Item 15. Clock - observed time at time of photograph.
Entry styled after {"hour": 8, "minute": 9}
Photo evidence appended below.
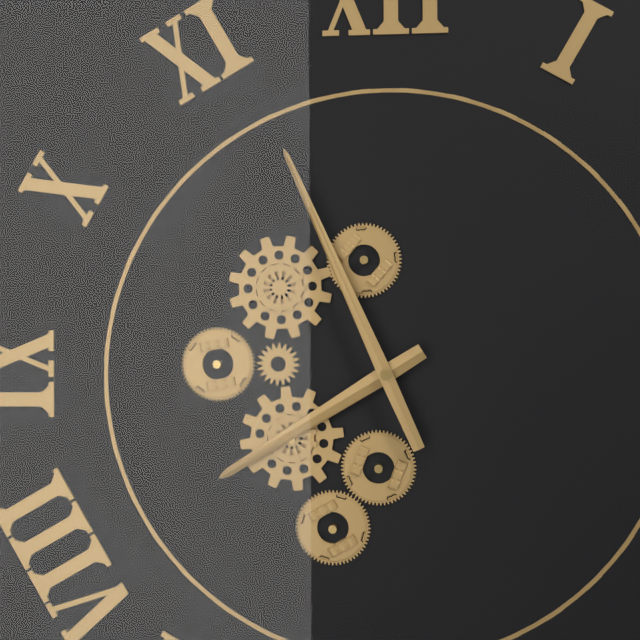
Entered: {"hour": 7, "minute": 56}
